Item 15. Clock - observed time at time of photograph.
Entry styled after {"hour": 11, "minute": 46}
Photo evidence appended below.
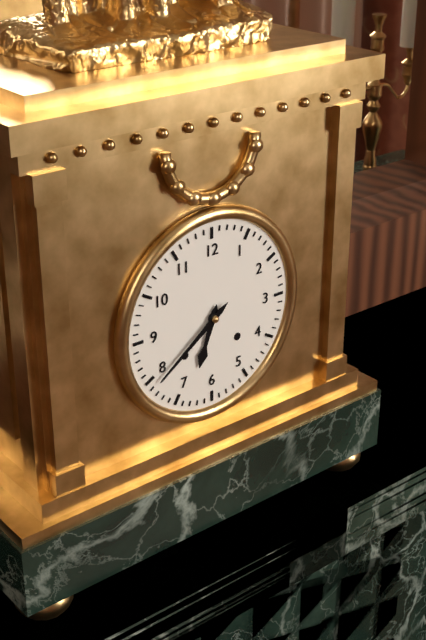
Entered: {"hour": 6, "minute": 39}
